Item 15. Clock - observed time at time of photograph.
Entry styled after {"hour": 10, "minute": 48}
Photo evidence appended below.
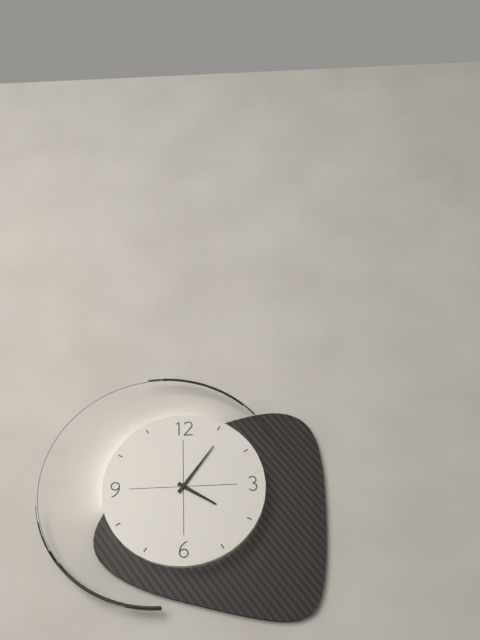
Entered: {"hour": 4, "minute": 6}
